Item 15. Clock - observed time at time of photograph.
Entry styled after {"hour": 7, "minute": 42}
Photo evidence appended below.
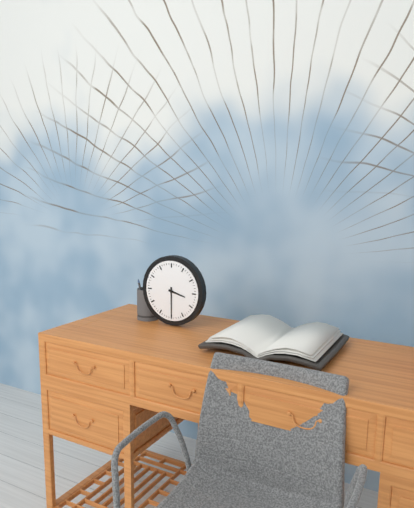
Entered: {"hour": 3, "minute": 30}
